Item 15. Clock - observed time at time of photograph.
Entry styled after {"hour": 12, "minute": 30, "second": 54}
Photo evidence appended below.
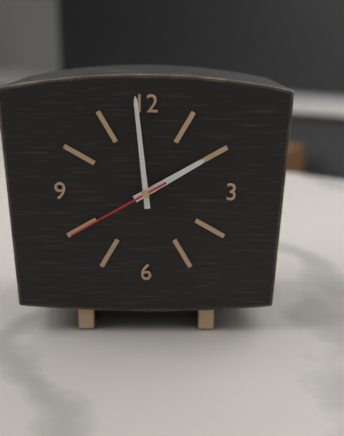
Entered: {"hour": 1, "minute": 59, "second": 40}
